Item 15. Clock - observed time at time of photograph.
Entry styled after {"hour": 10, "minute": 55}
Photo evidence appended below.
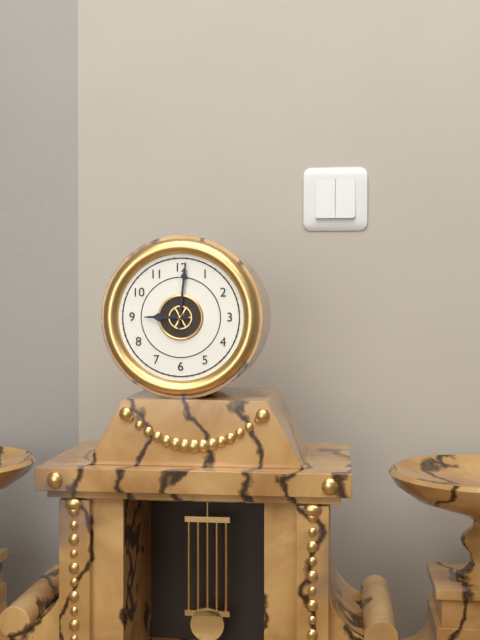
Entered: {"hour": 9, "minute": 1}
